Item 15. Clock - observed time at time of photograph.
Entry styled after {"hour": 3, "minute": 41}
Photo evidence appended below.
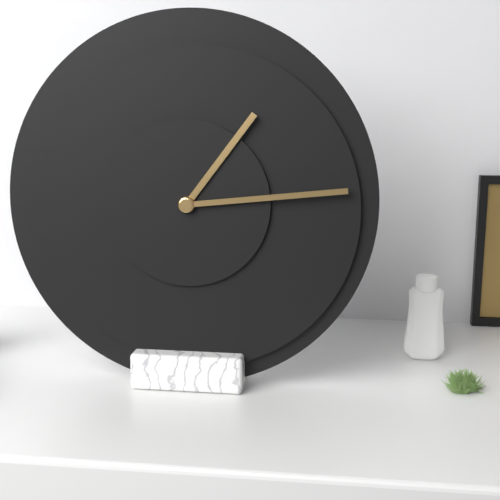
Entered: {"hour": 1, "minute": 14}
